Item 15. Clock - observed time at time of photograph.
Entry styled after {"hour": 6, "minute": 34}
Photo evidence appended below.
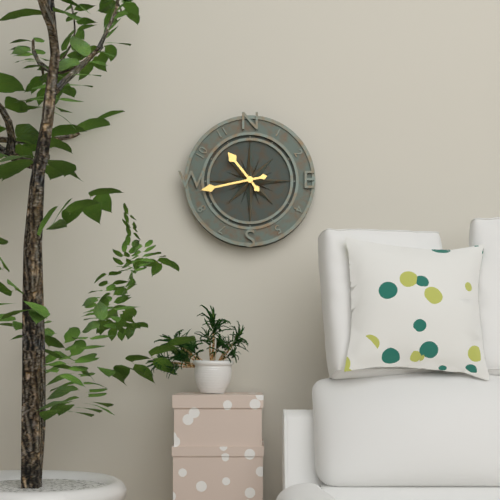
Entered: {"hour": 10, "minute": 43}
